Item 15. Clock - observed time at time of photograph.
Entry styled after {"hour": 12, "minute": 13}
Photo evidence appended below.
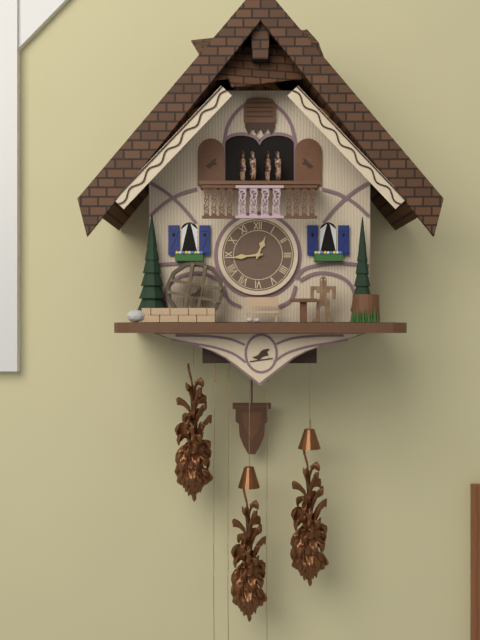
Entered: {"hour": 12, "minute": 44}
